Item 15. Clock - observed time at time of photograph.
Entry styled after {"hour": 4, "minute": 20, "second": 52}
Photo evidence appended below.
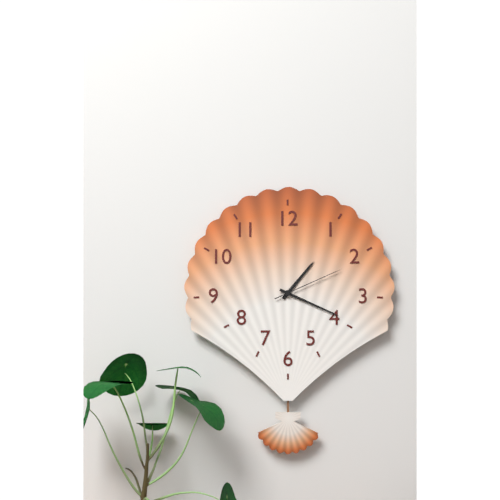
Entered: {"hour": 1, "minute": 19, "second": 11}
